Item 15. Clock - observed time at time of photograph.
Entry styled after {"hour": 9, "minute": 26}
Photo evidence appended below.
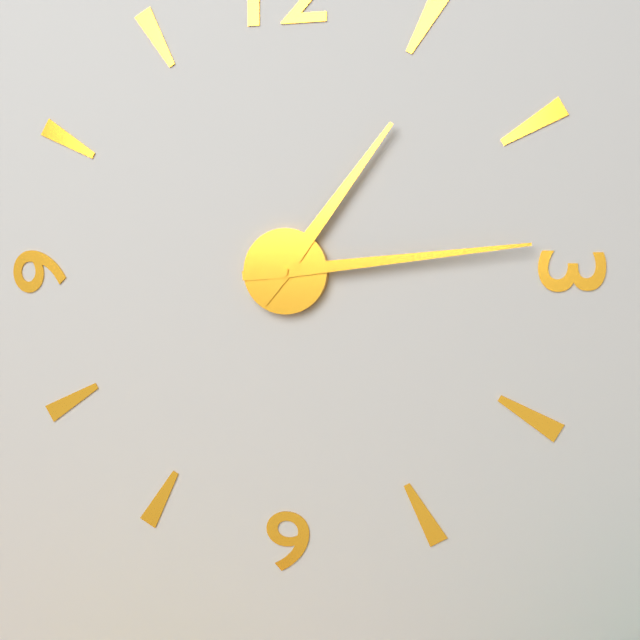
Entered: {"hour": 1, "minute": 14}
